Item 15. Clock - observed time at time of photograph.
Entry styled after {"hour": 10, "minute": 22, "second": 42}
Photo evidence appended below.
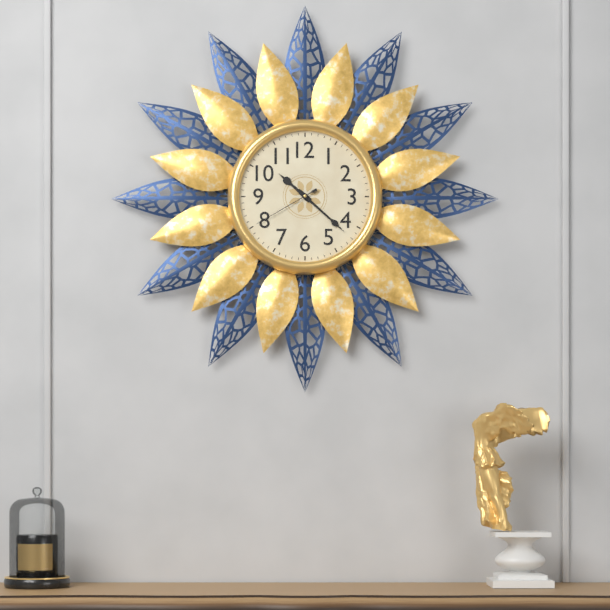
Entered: {"hour": 10, "minute": 22, "second": 40}
